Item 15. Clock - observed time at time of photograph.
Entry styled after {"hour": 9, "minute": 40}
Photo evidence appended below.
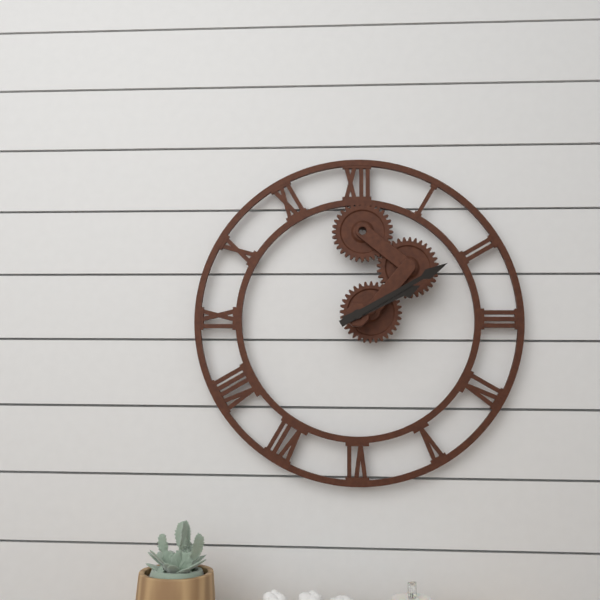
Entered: {"hour": 2, "minute": 10}
